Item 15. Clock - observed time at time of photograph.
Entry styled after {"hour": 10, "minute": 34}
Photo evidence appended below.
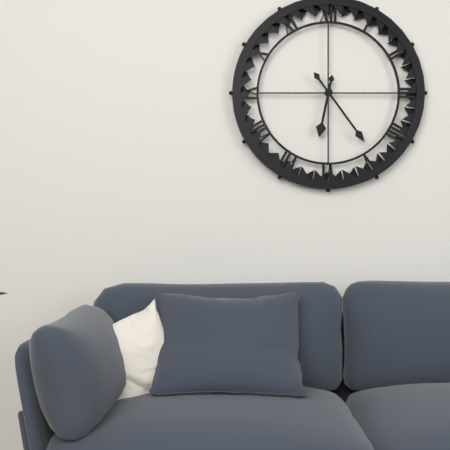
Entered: {"hour": 6, "minute": 24}
